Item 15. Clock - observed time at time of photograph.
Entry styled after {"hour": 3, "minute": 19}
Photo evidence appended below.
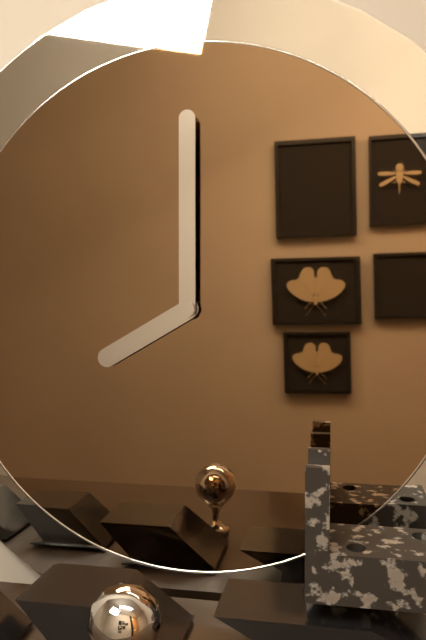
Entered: {"hour": 8, "minute": 0}
